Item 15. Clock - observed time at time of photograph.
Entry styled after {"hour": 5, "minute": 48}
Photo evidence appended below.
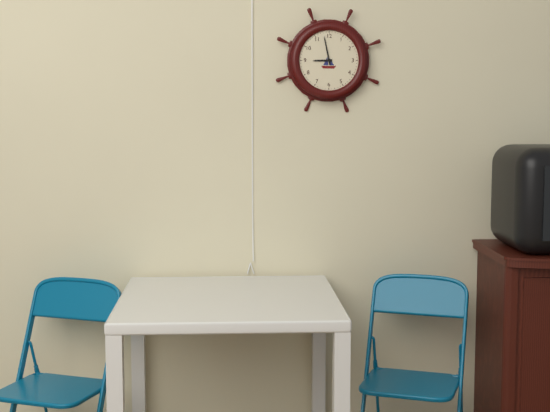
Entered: {"hour": 8, "minute": 58}
